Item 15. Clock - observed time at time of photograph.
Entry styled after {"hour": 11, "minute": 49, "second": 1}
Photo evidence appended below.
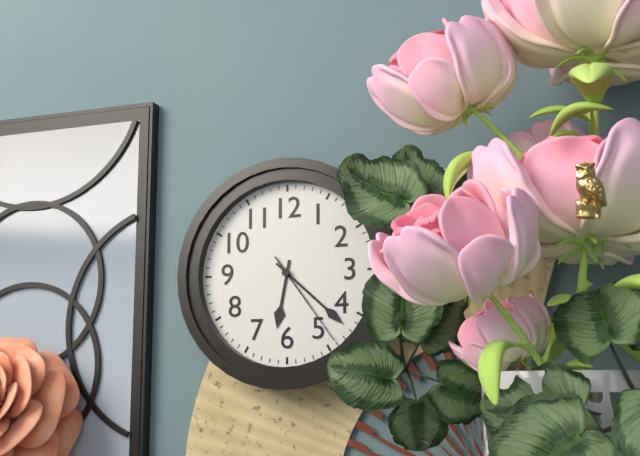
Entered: {"hour": 6, "minute": 22, "second": 24}
